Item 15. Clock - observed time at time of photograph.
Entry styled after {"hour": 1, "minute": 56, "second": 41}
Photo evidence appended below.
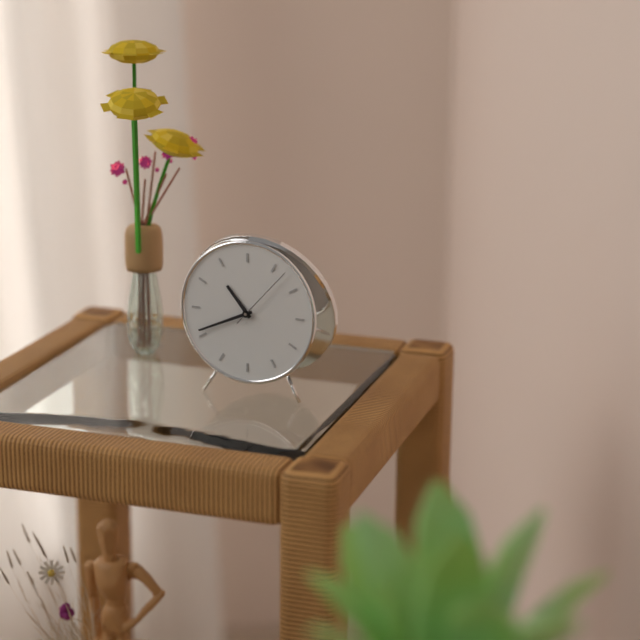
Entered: {"hour": 10, "minute": 41, "second": 7}
